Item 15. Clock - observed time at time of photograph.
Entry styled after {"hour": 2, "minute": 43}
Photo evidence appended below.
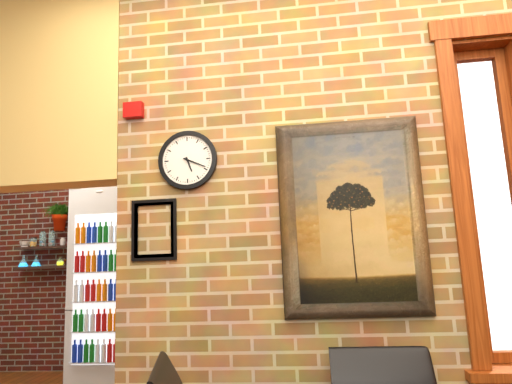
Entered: {"hour": 5, "minute": 19}
